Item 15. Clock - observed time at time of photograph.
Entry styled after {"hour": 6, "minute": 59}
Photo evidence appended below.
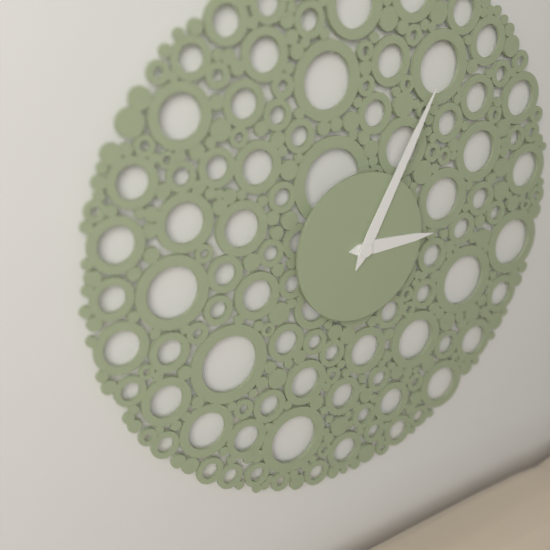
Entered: {"hour": 3, "minute": 5}
